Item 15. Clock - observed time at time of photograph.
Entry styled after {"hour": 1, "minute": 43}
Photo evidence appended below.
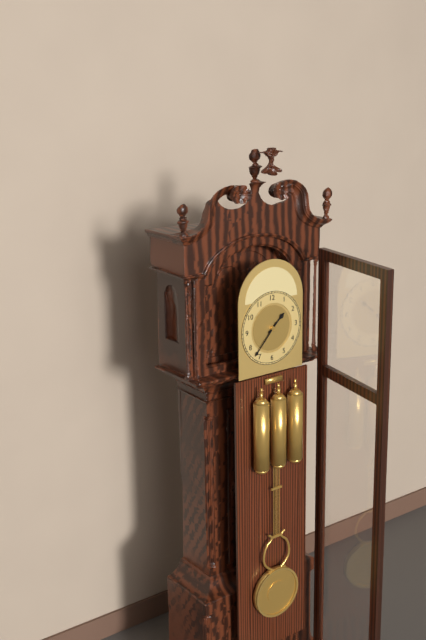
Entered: {"hour": 1, "minute": 37}
